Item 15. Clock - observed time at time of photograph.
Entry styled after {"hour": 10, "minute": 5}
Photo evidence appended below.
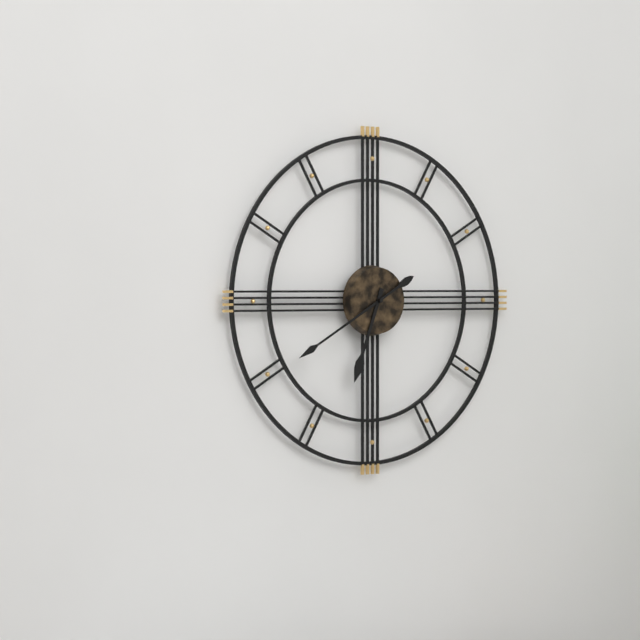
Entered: {"hour": 6, "minute": 40}
